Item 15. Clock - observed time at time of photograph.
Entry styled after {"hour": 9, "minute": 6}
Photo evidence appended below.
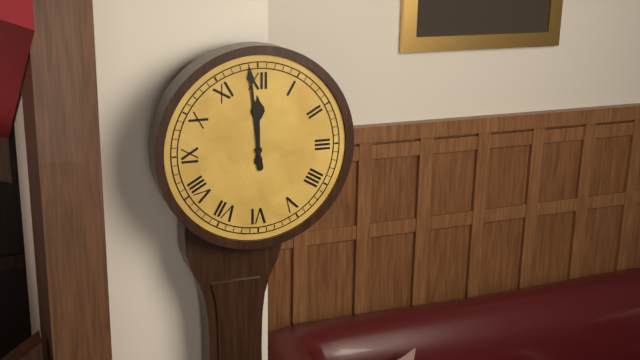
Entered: {"hour": 11, "minute": 59}
